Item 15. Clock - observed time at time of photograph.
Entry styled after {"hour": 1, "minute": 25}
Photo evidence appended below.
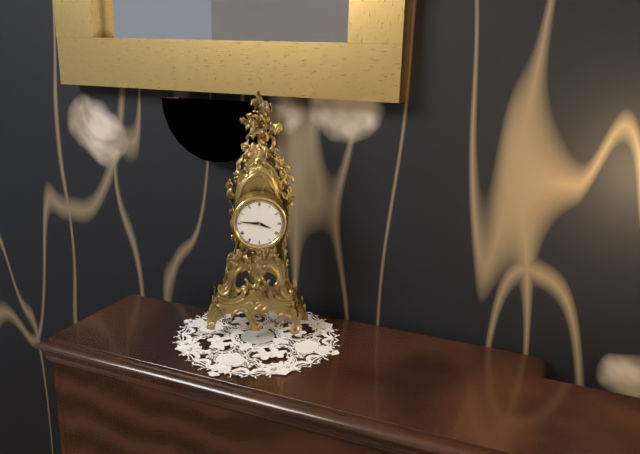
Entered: {"hour": 3, "minute": 46}
